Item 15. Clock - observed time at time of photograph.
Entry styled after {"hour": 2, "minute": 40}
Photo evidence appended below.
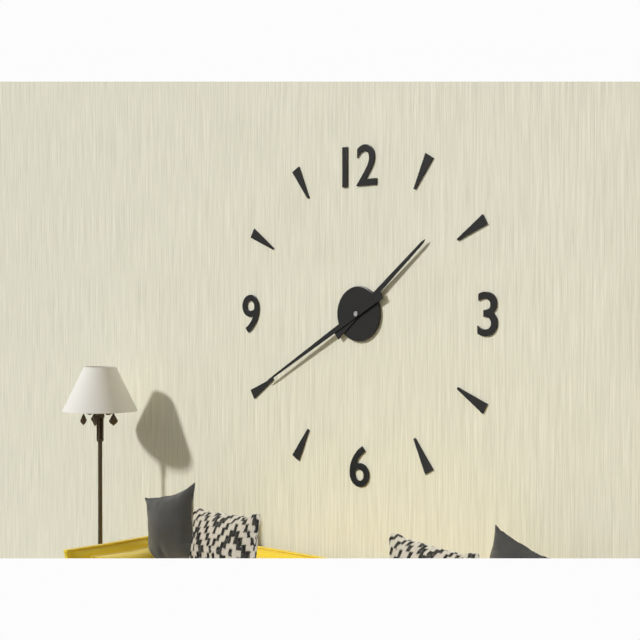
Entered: {"hour": 1, "minute": 40}
